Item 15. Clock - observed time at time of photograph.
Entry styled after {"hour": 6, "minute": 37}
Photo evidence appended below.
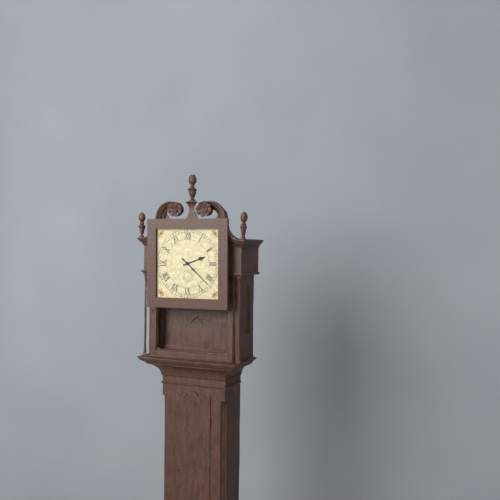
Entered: {"hour": 2, "minute": 22}
